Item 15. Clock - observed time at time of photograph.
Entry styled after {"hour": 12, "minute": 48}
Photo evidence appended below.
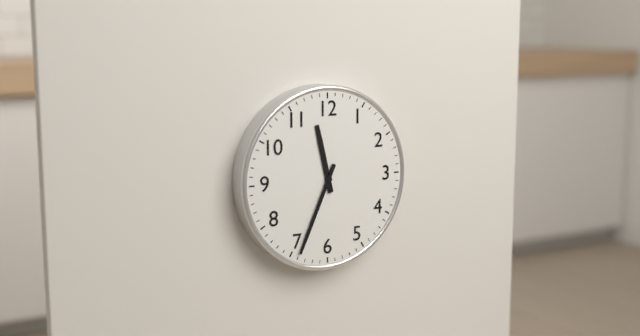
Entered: {"hour": 11, "minute": 34}
